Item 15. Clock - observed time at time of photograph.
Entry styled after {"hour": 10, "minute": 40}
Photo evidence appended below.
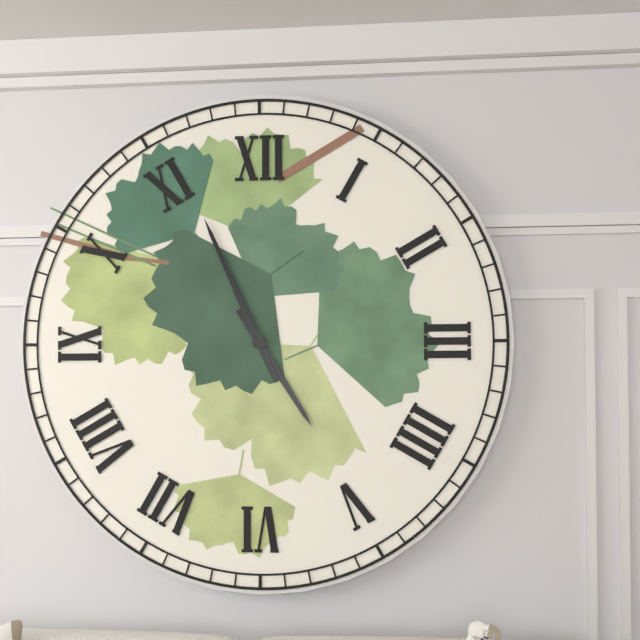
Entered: {"hour": 4, "minute": 56}
